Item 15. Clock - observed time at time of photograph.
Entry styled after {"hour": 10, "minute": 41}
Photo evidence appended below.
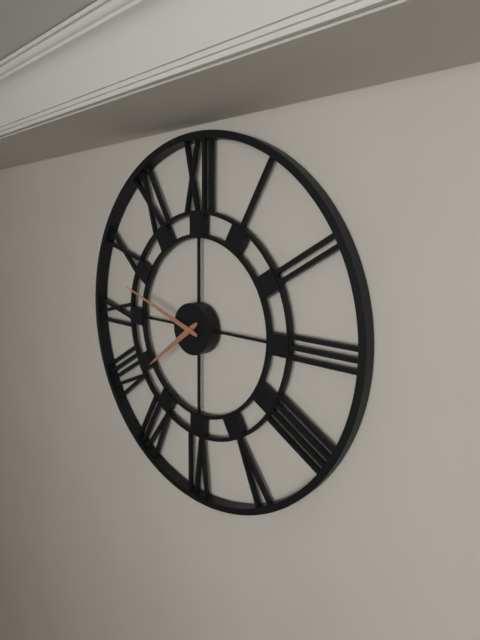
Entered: {"hour": 7, "minute": 48}
